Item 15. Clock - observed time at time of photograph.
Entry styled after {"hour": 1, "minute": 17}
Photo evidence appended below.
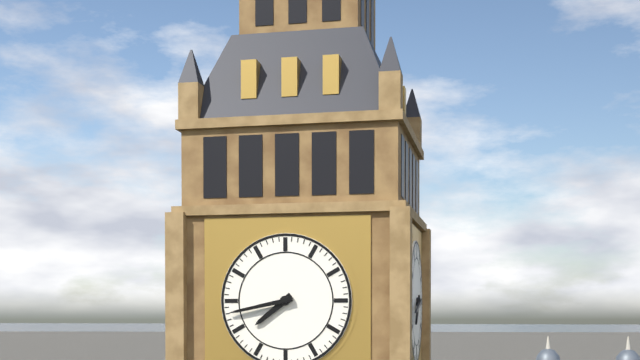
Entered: {"hour": 7, "minute": 43}
